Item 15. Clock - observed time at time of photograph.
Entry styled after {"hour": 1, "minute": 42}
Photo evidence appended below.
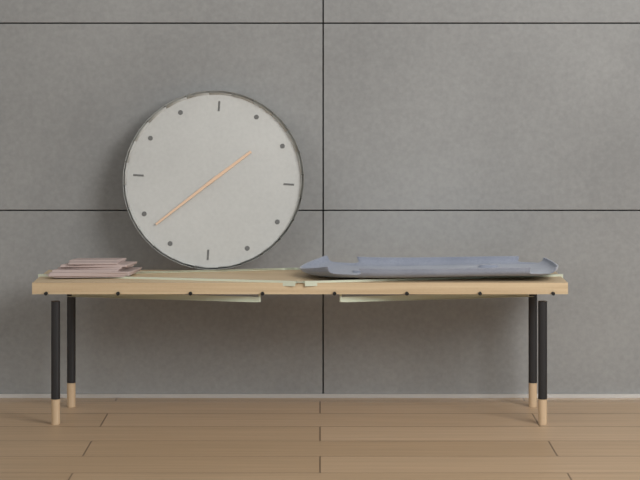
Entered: {"hour": 1, "minute": 38}
